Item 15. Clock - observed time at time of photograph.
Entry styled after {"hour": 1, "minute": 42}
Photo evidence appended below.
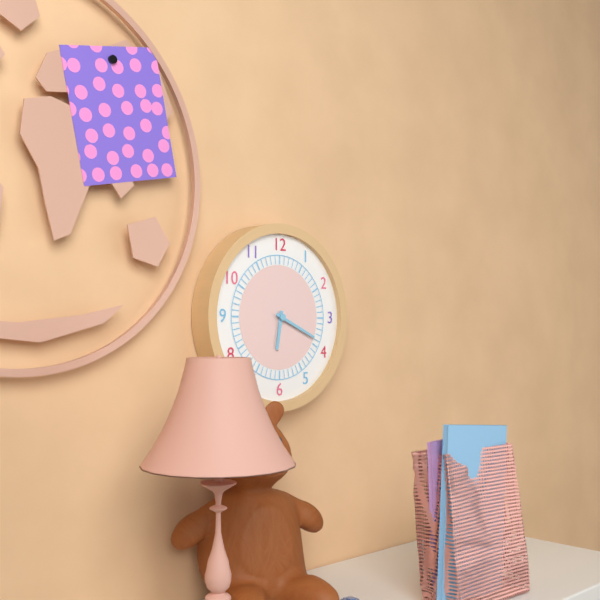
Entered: {"hour": 6, "minute": 19}
